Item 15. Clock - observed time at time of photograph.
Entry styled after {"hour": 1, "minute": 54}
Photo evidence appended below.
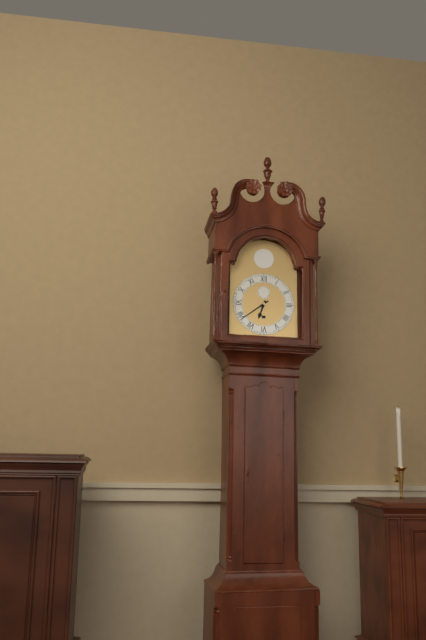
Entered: {"hour": 6, "minute": 39}
